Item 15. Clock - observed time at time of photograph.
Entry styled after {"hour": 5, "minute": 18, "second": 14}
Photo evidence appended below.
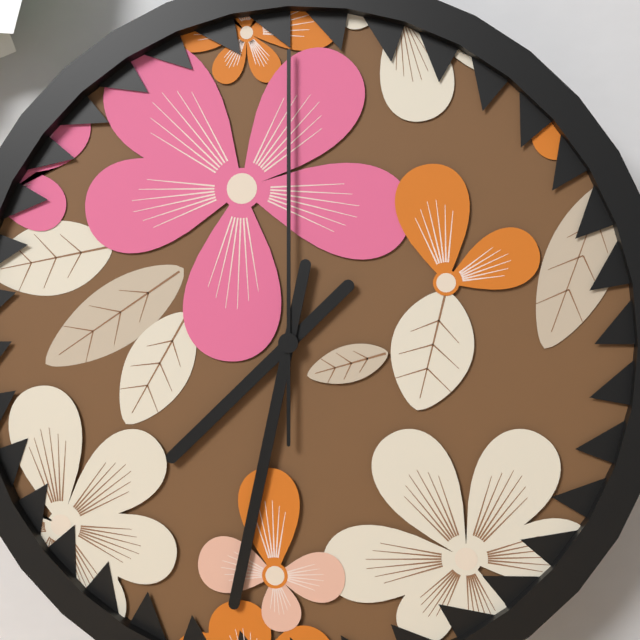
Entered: {"hour": 7, "minute": 32, "second": 0}
